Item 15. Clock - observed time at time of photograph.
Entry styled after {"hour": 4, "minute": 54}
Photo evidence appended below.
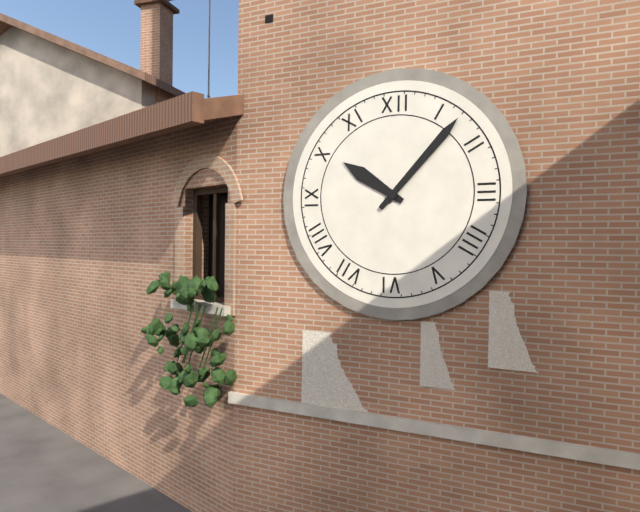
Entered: {"hour": 10, "minute": 7}
